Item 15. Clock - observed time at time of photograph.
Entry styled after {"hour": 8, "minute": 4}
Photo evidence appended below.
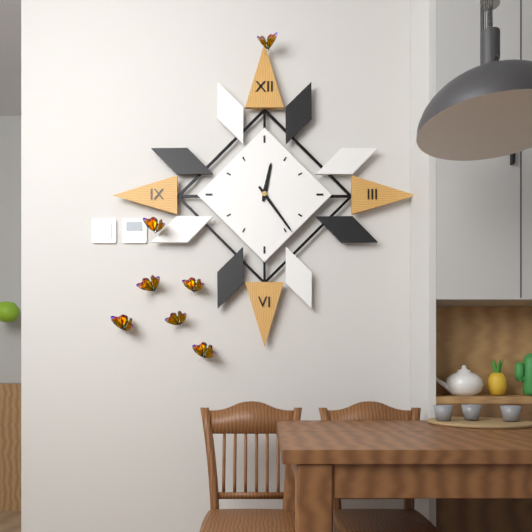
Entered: {"hour": 12, "minute": 24}
